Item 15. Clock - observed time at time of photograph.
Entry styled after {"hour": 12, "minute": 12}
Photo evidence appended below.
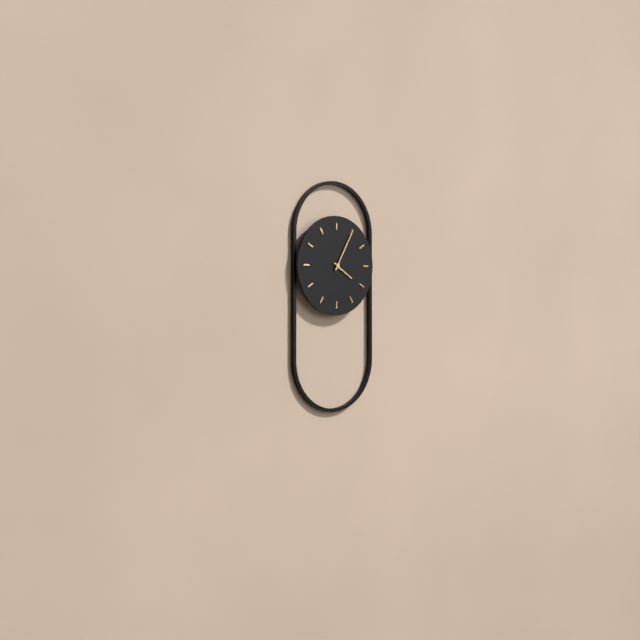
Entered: {"hour": 4, "minute": 5}
